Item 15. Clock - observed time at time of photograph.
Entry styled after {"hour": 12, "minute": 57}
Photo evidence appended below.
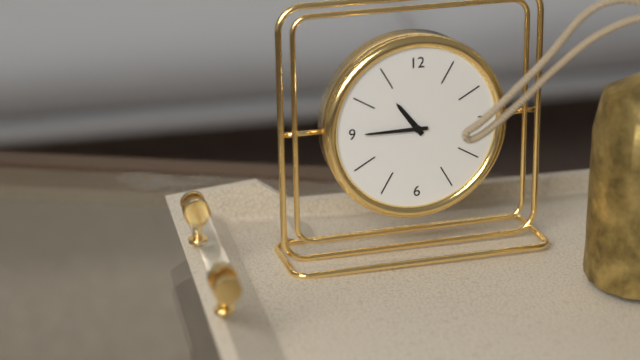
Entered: {"hour": 10, "minute": 45}
